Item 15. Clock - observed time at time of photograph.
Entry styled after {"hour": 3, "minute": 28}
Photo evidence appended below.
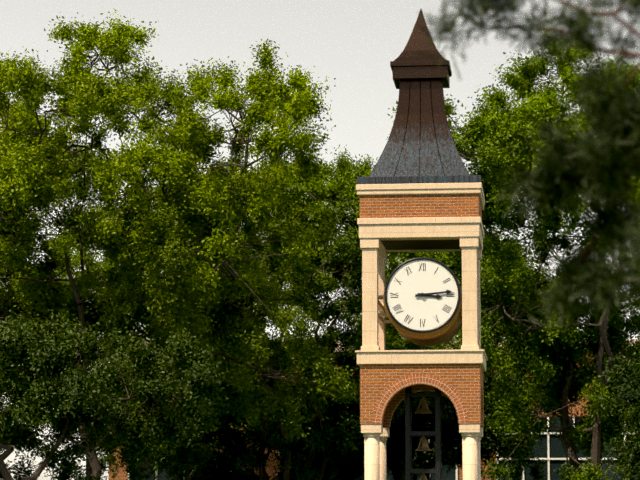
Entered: {"hour": 3, "minute": 14}
